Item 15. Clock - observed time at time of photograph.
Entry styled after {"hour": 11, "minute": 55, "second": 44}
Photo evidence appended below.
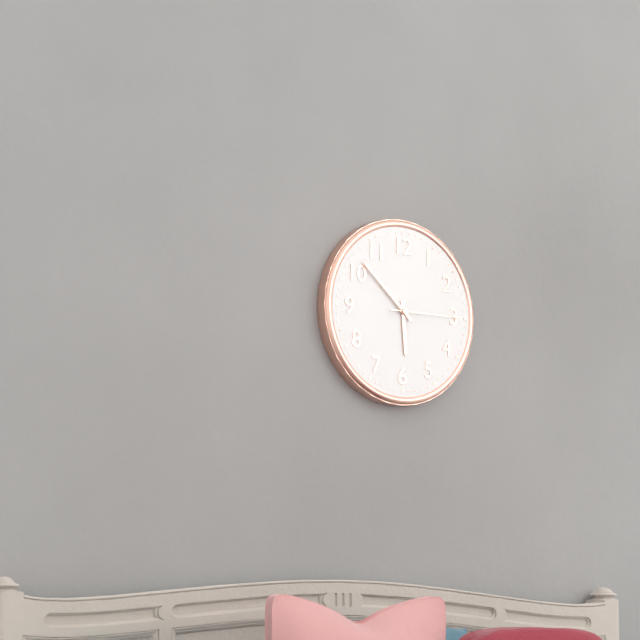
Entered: {"hour": 5, "minute": 52, "second": 15}
